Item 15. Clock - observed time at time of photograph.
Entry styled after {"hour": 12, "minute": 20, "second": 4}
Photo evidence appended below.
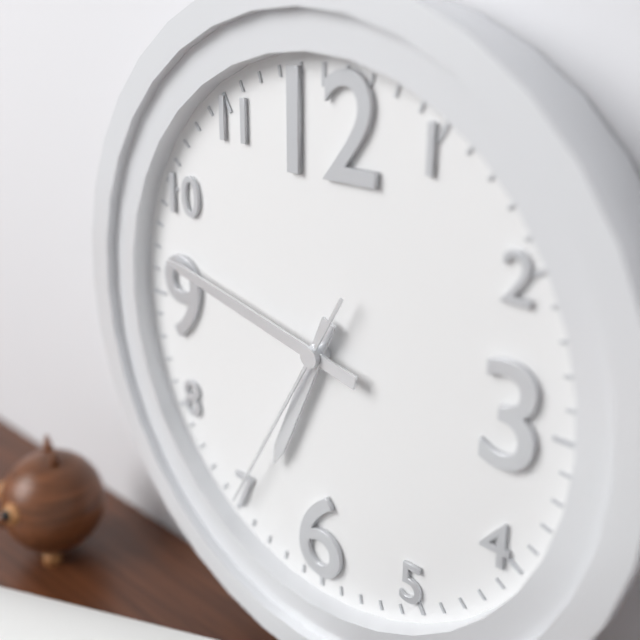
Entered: {"hour": 6, "minute": 47, "second": 35}
